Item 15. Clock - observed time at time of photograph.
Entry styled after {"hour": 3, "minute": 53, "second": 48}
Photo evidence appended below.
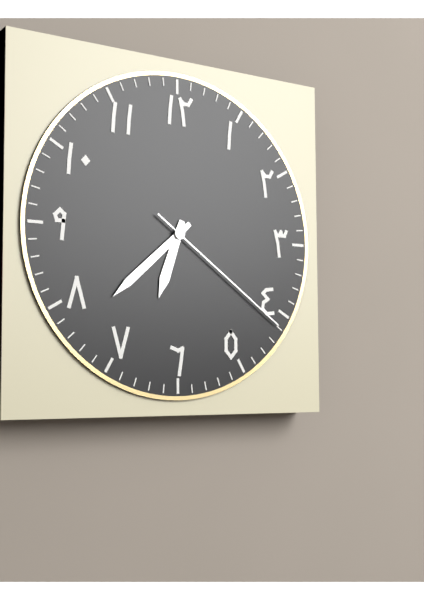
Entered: {"hour": 6, "minute": 38, "second": 21}
